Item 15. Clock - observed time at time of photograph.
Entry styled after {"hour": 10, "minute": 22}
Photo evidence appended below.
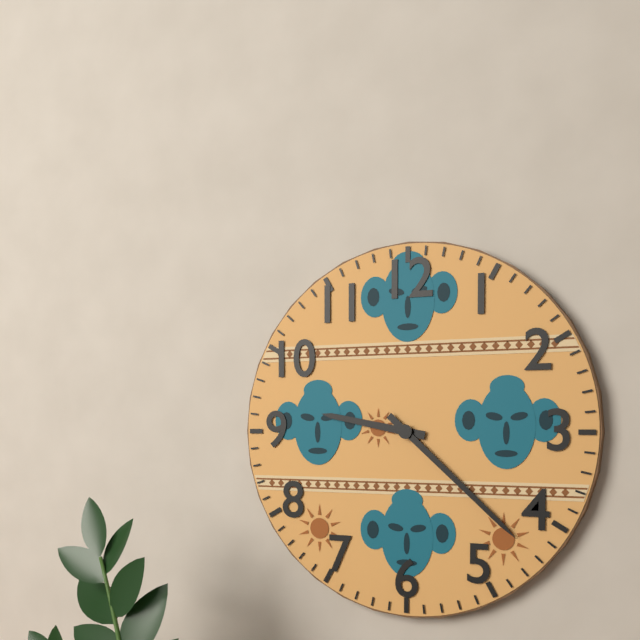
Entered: {"hour": 9, "minute": 22}
